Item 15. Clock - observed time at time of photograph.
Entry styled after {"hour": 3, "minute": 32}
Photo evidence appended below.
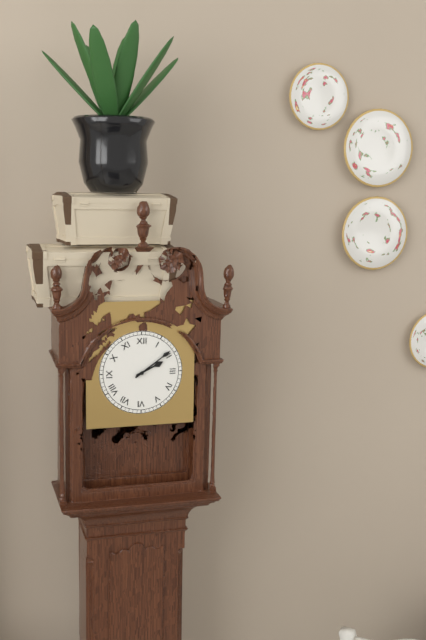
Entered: {"hour": 2, "minute": 9}
